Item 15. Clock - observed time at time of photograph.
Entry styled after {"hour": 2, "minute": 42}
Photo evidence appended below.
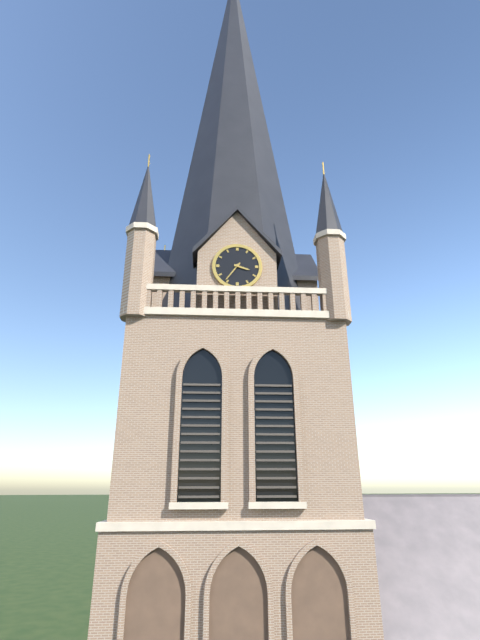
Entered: {"hour": 3, "minute": 36}
